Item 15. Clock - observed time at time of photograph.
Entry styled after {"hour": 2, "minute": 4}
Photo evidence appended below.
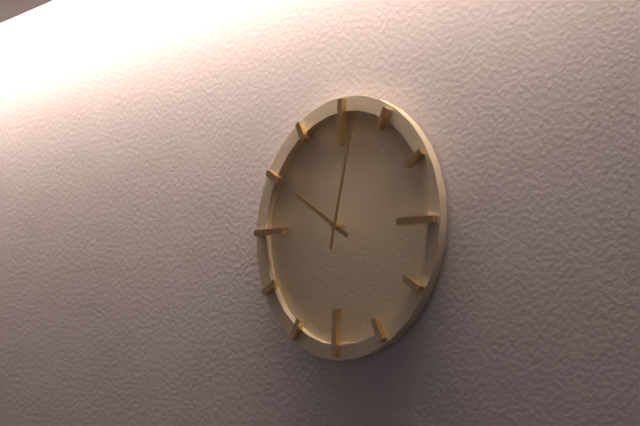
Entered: {"hour": 10, "minute": 2}
